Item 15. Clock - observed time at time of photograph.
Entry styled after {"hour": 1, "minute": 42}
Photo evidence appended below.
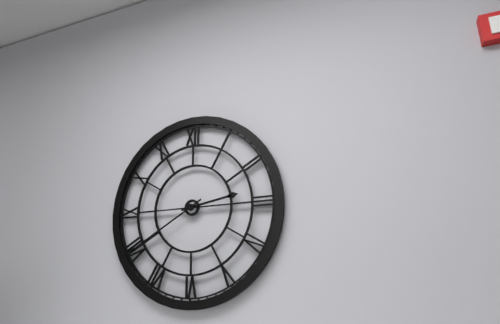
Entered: {"hour": 2, "minute": 40}
